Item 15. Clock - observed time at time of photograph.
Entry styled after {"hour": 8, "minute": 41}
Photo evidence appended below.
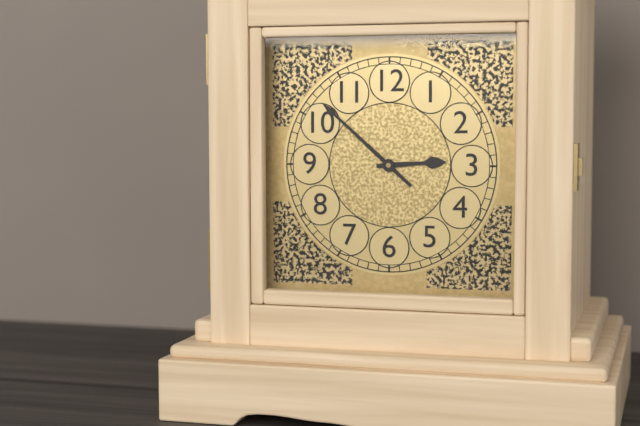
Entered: {"hour": 2, "minute": 52}
